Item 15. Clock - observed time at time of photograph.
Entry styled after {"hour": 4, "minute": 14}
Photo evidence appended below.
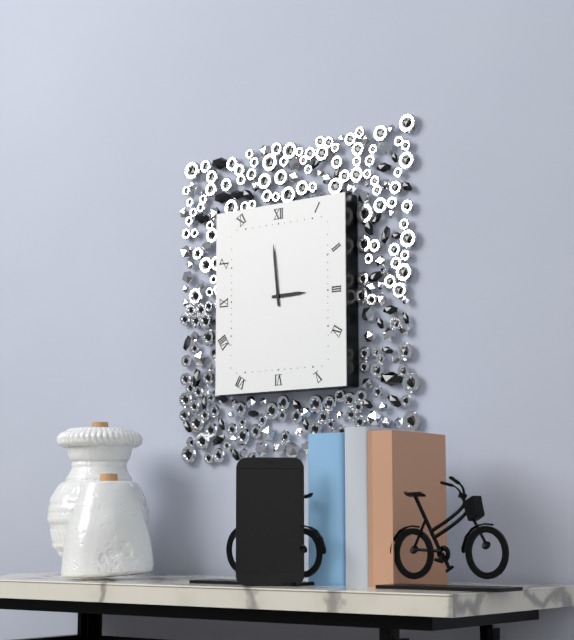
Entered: {"hour": 2, "minute": 59}
